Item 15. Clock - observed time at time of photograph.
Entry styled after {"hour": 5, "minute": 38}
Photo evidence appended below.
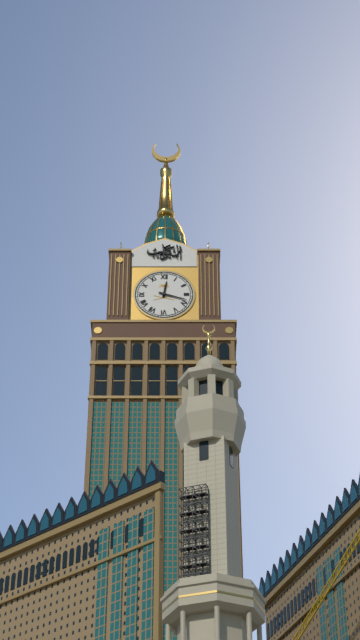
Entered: {"hour": 12, "minute": 18}
